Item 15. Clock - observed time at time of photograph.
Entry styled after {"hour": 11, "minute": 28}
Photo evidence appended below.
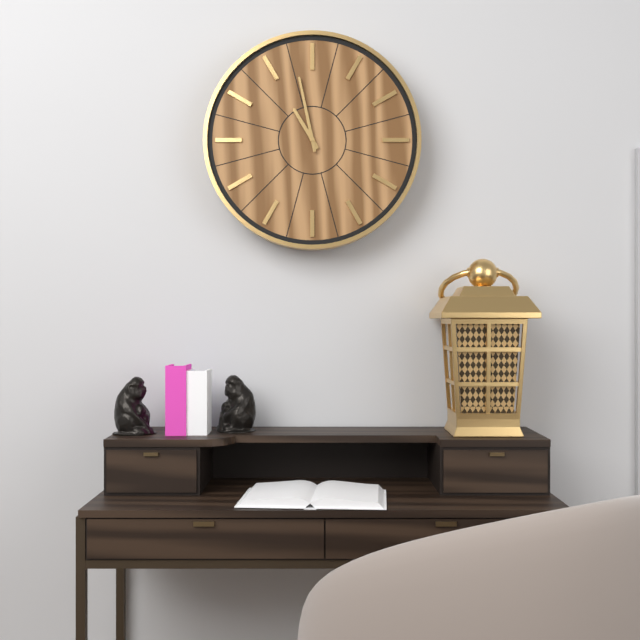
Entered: {"hour": 10, "minute": 58}
